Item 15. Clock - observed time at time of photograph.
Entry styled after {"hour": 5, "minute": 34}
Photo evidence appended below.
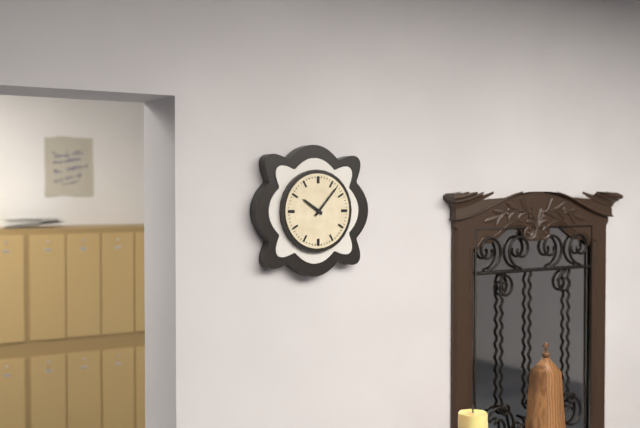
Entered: {"hour": 10, "minute": 7}
